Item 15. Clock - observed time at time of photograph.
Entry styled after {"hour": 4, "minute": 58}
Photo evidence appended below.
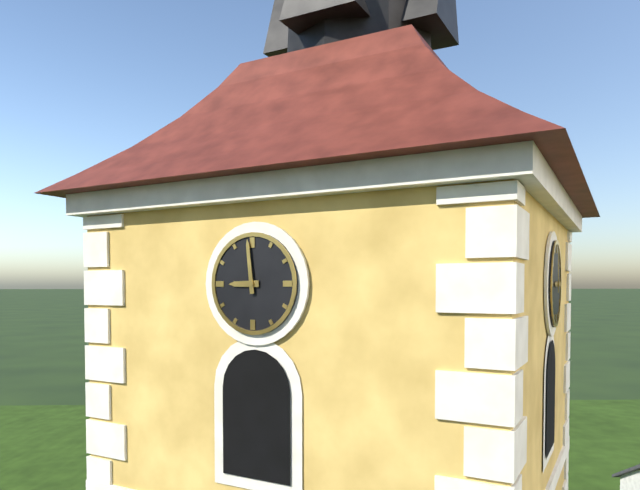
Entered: {"hour": 8, "minute": 59}
